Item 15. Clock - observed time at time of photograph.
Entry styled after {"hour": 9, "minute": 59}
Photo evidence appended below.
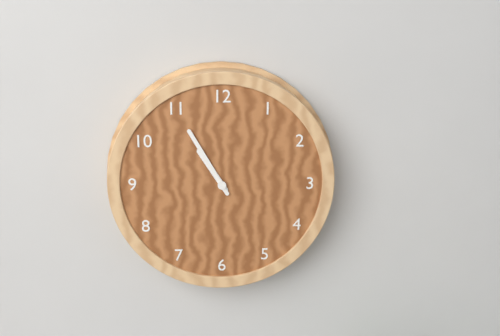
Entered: {"hour": 10, "minute": 55}
